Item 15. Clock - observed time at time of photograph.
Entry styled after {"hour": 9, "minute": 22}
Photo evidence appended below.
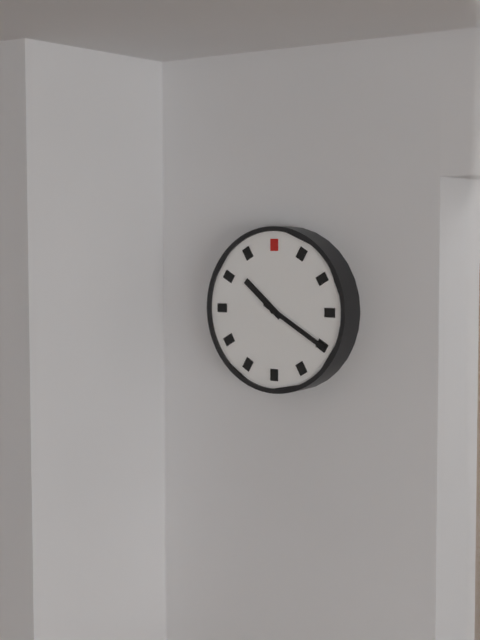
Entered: {"hour": 10, "minute": 20}
